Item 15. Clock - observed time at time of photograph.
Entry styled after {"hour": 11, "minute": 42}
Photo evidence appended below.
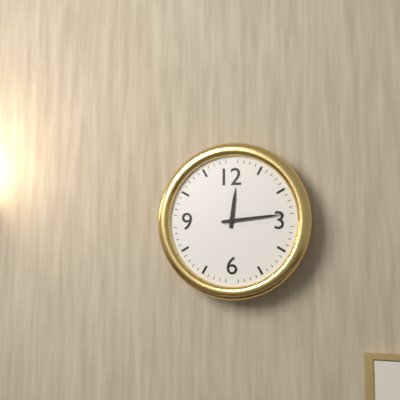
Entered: {"hour": 12, "minute": 14}
